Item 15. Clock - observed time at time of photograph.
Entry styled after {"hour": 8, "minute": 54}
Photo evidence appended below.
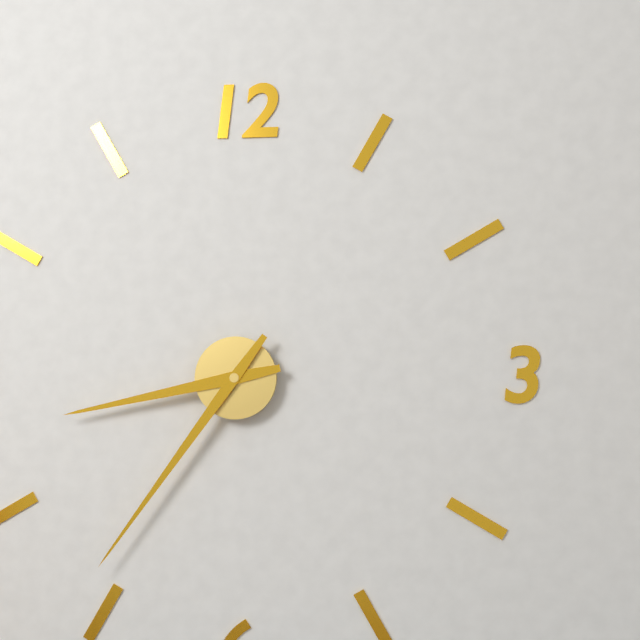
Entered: {"hour": 8, "minute": 36}
